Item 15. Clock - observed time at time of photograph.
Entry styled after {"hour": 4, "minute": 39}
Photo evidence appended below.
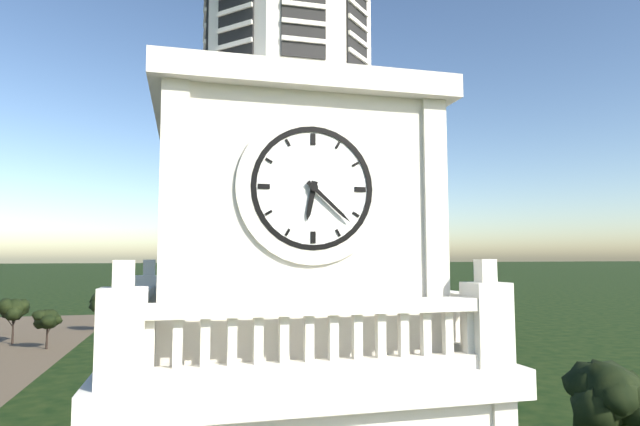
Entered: {"hour": 6, "minute": 22}
